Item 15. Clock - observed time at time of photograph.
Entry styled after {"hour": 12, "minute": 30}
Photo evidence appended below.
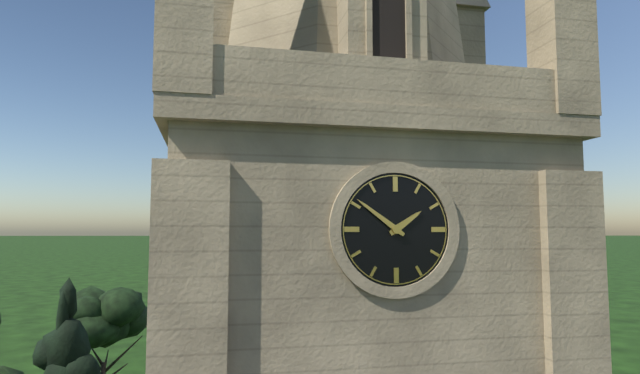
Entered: {"hour": 1, "minute": 51}
